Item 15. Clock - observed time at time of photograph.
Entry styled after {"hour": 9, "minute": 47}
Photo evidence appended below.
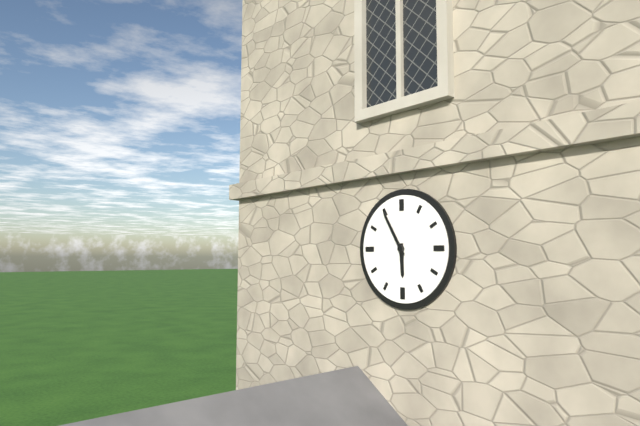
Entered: {"hour": 5, "minute": 55}
